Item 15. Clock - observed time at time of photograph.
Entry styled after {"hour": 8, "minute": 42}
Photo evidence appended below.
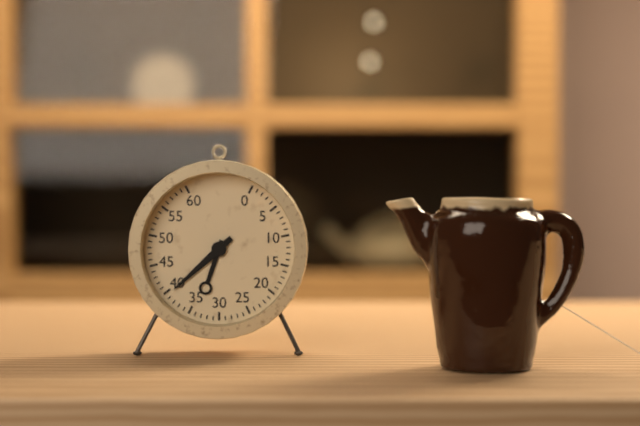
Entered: {"hour": 6, "minute": 38}
